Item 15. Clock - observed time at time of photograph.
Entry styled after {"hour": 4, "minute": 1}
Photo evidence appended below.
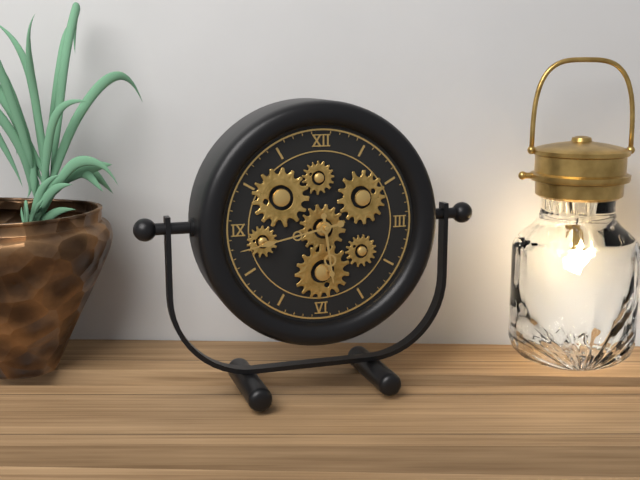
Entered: {"hour": 5, "minute": 43}
